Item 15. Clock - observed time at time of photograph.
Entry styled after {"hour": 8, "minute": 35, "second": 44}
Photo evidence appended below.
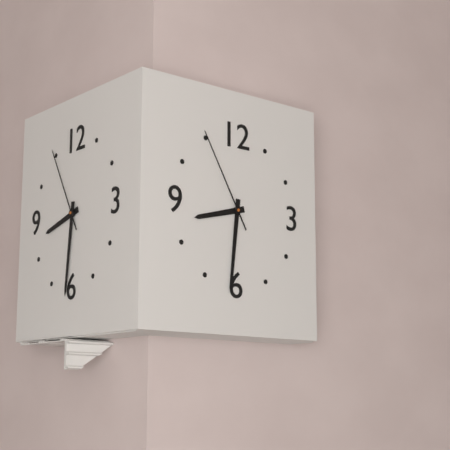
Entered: {"hour": 8, "minute": 31, "second": 55}
